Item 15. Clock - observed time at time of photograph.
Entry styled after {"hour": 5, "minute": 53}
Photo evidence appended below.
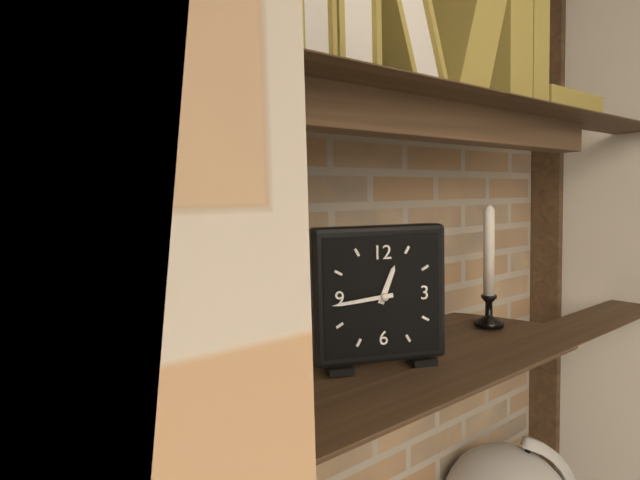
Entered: {"hour": 12, "minute": 44}
